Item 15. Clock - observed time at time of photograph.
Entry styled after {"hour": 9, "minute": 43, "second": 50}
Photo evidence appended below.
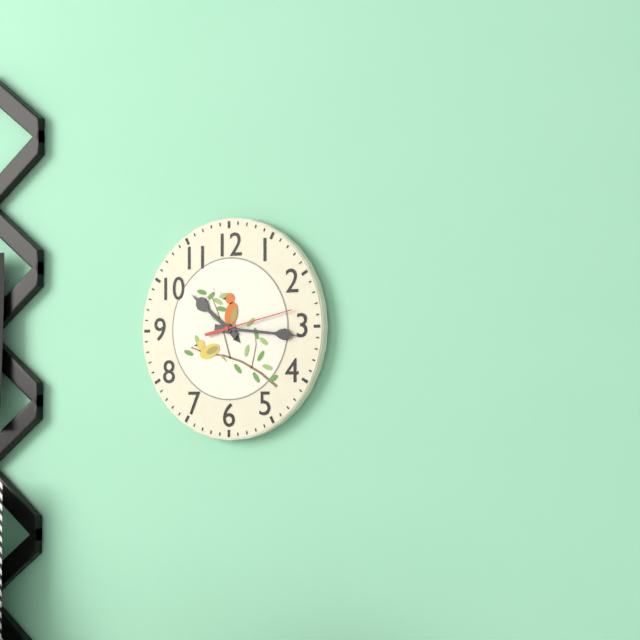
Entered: {"hour": 10, "minute": 16, "second": 13}
